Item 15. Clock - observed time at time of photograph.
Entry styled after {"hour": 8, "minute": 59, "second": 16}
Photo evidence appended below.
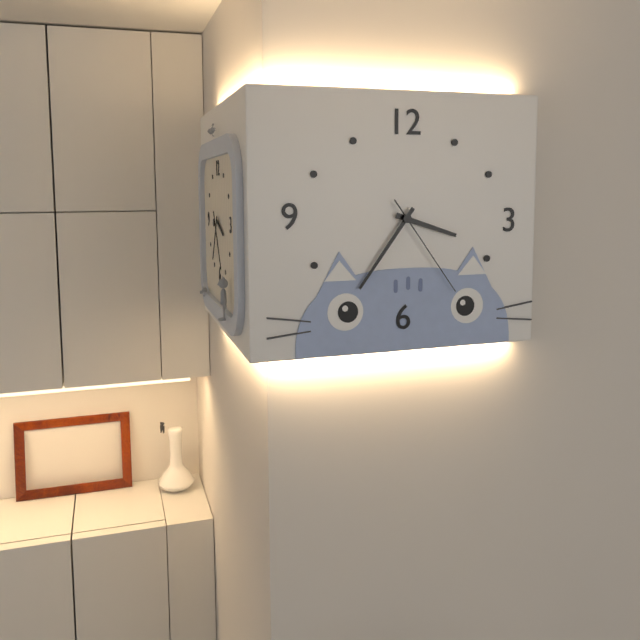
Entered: {"hour": 3, "minute": 36, "second": 24}
